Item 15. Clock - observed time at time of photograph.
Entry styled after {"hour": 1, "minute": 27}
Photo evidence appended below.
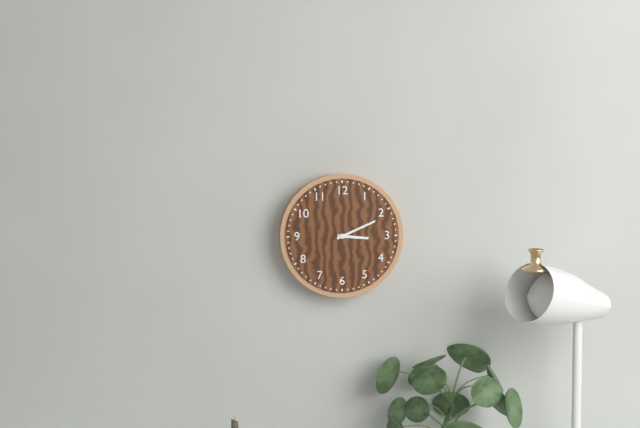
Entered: {"hour": 3, "minute": 11}
